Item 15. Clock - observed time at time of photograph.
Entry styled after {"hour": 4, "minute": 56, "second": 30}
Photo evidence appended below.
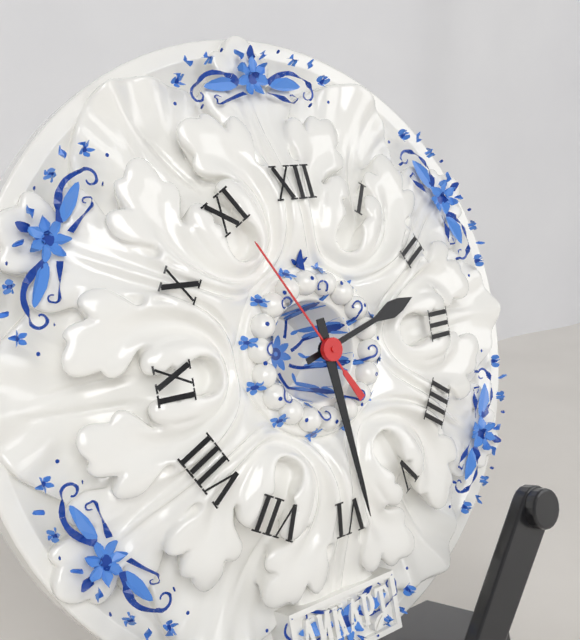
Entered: {"hour": 2, "minute": 29, "second": 55}
